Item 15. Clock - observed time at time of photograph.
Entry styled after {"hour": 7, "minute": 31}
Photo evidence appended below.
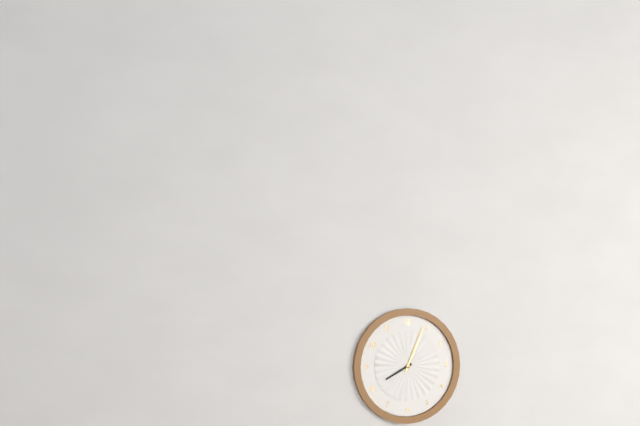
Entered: {"hour": 8, "minute": 4}
